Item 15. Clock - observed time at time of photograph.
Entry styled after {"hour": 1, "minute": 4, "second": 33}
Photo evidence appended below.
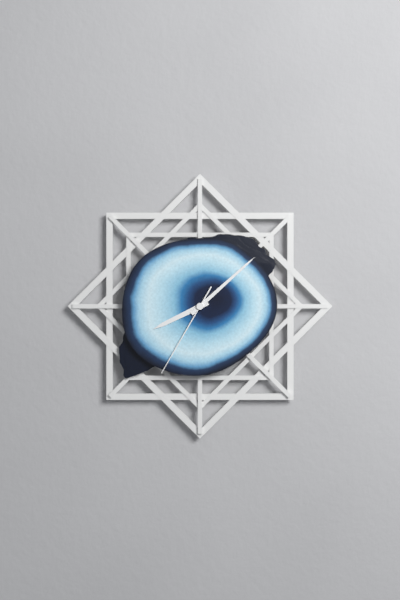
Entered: {"hour": 8, "minute": 8, "second": 35}
